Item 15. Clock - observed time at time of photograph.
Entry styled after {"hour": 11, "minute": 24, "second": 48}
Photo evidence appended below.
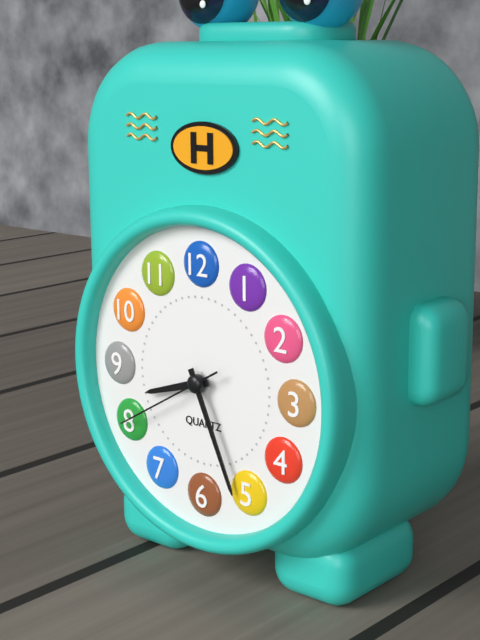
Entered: {"hour": 8, "minute": 26, "second": 40}
